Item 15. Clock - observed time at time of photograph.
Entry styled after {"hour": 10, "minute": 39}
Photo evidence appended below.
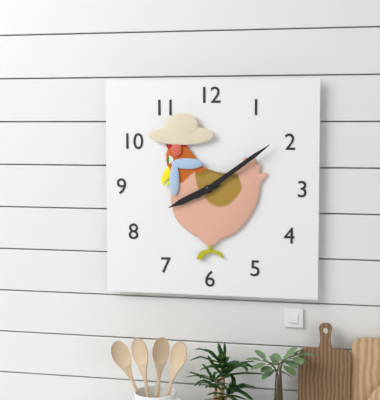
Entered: {"hour": 8, "minute": 9}
